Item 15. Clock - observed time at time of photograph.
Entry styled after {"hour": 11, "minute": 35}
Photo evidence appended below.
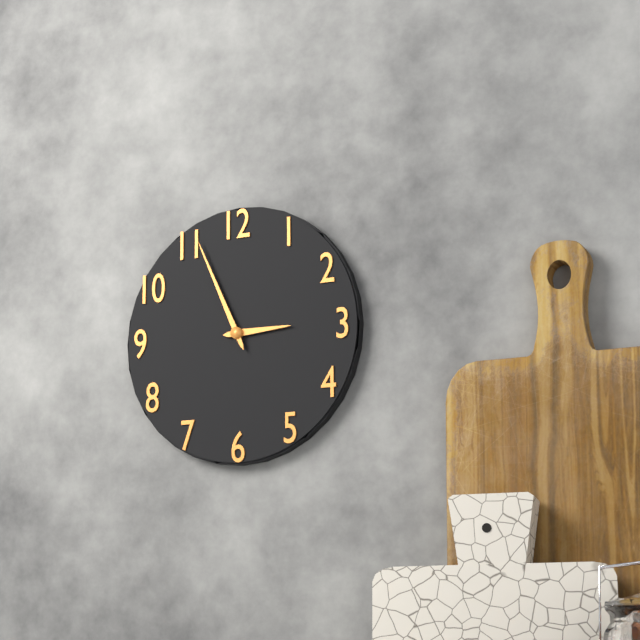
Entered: {"hour": 2, "minute": 56}
